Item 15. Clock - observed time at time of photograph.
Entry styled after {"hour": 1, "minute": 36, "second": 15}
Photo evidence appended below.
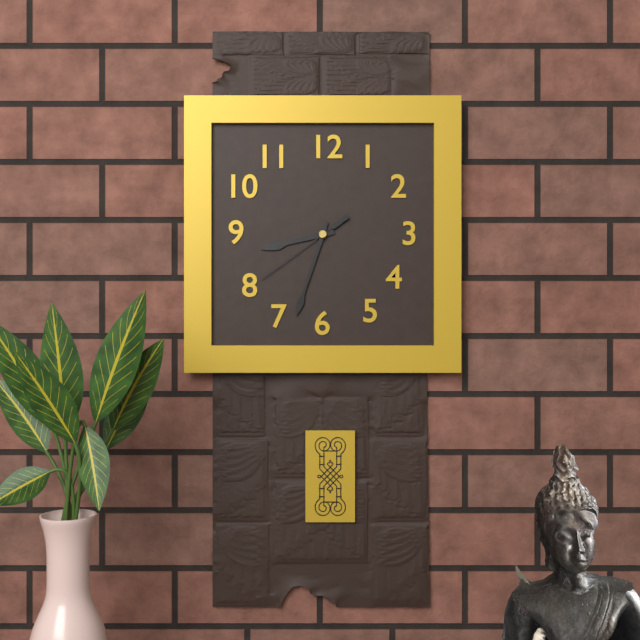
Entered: {"hour": 8, "minute": 33, "second": 39}
